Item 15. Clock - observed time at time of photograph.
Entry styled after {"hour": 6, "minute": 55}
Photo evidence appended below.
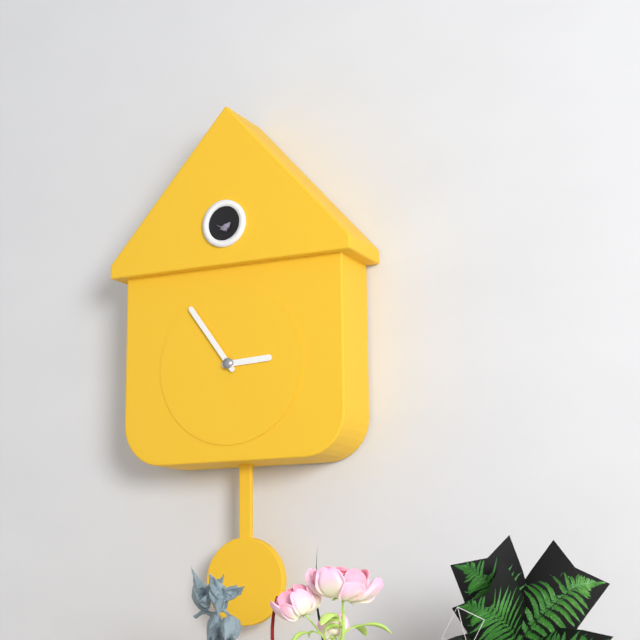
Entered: {"hour": 2, "minute": 54}
